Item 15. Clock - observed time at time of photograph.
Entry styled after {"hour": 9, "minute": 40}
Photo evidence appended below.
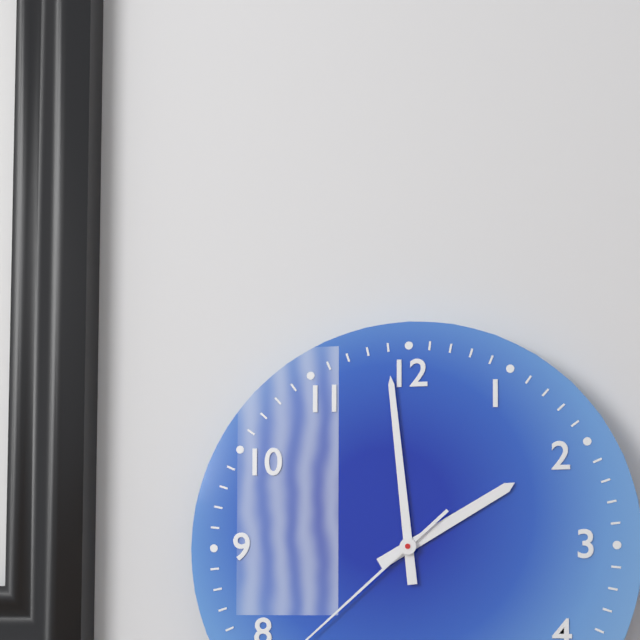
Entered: {"hour": 1, "minute": 59}
